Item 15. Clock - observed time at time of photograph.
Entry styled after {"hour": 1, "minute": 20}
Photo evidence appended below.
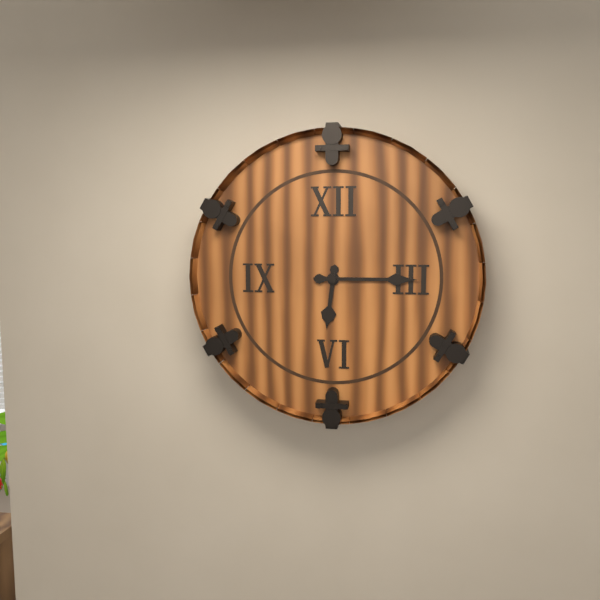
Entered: {"hour": 6, "minute": 15}
